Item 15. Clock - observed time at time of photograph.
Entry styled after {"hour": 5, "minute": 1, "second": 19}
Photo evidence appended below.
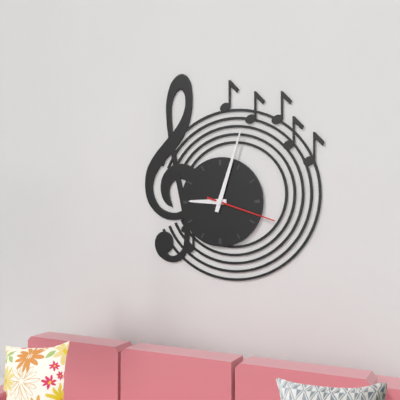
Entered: {"hour": 9, "minute": 3, "second": 18}
